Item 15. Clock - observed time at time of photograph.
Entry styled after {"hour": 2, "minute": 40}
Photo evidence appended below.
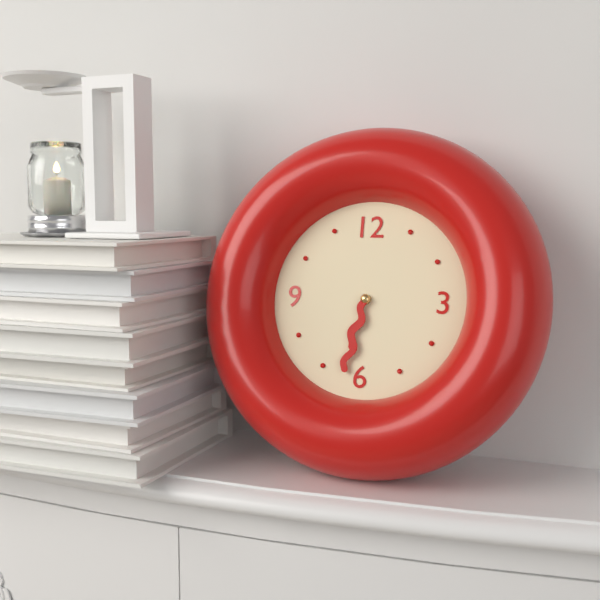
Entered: {"hour": 6, "minute": 32}
